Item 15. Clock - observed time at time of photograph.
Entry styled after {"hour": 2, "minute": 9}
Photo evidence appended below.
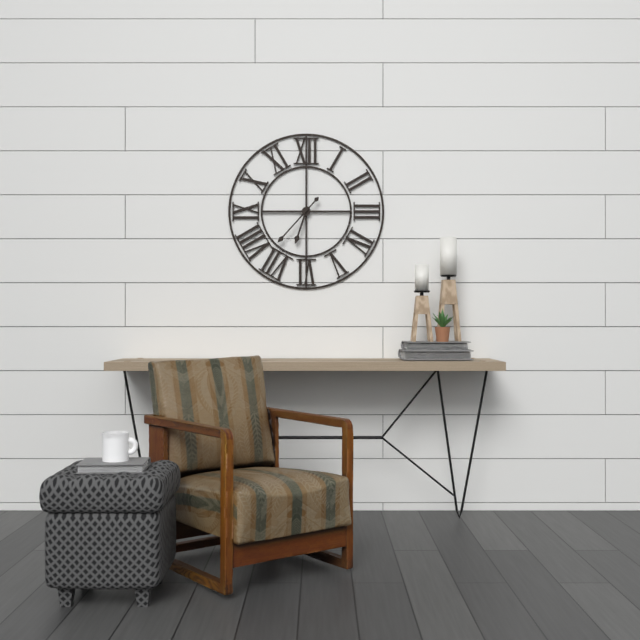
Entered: {"hour": 6, "minute": 37}
